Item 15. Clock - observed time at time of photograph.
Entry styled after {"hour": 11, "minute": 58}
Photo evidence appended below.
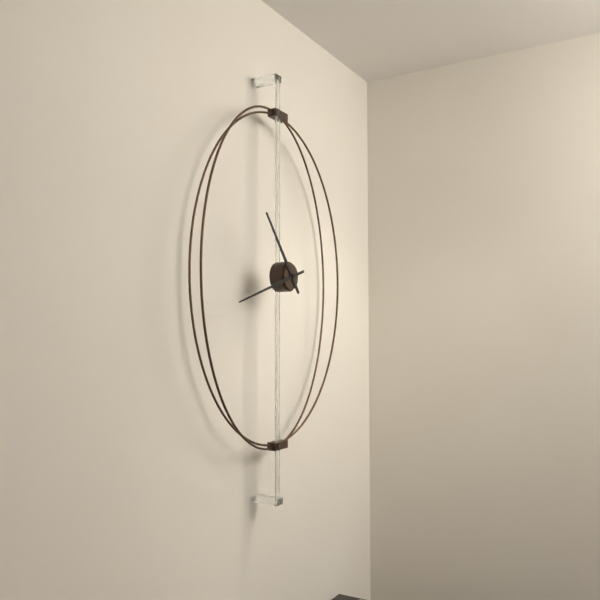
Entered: {"hour": 10, "minute": 42}
